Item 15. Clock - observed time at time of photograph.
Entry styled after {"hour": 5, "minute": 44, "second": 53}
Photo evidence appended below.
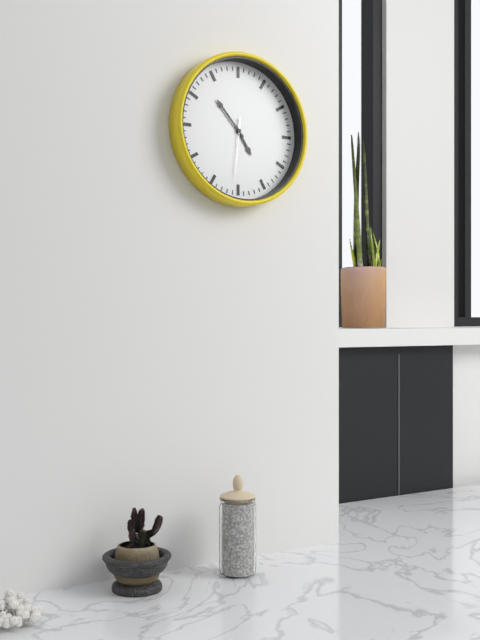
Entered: {"hour": 4, "minute": 53, "second": 31}
